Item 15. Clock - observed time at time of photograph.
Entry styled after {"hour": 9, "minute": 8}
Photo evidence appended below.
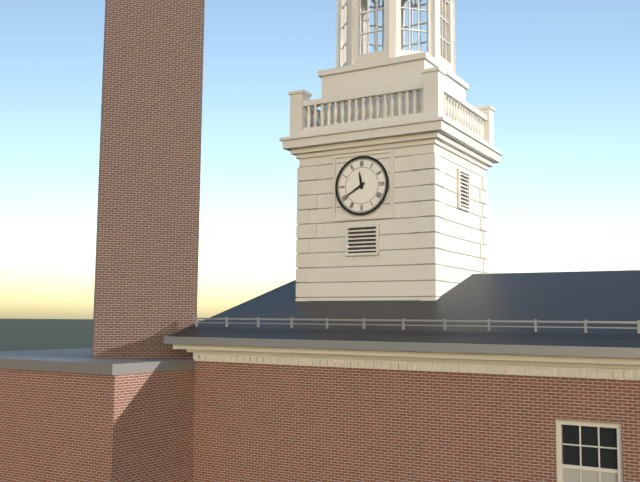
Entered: {"hour": 11, "minute": 40}
